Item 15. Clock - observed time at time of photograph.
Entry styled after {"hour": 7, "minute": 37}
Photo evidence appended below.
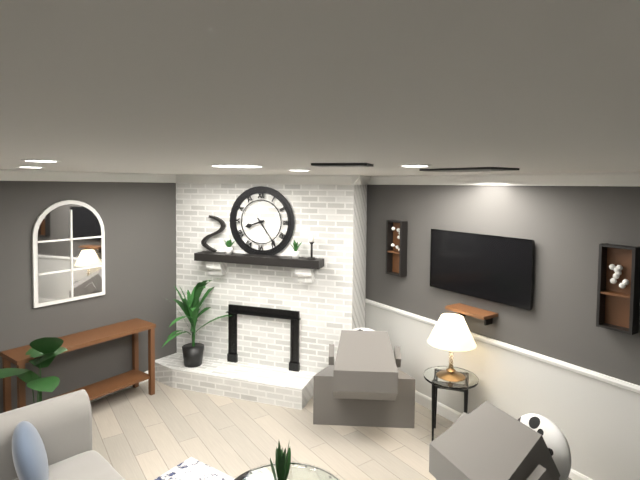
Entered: {"hour": 8, "minute": 24}
